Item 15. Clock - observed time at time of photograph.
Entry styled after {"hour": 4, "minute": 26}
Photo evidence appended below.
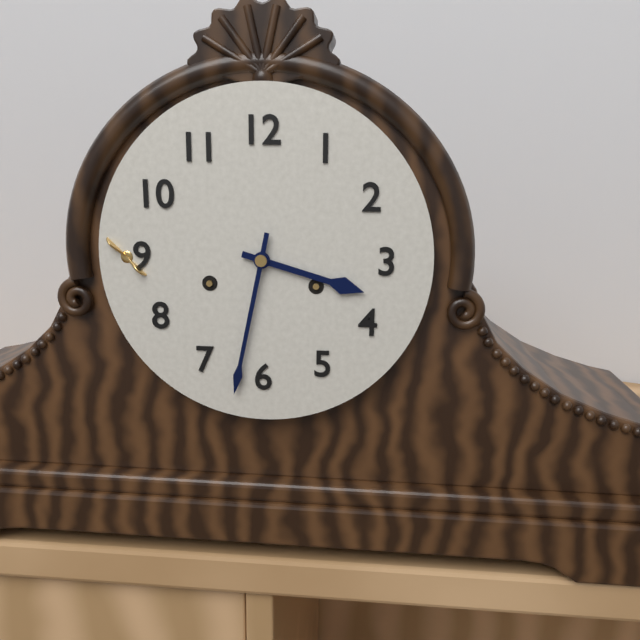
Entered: {"hour": 3, "minute": 32}
